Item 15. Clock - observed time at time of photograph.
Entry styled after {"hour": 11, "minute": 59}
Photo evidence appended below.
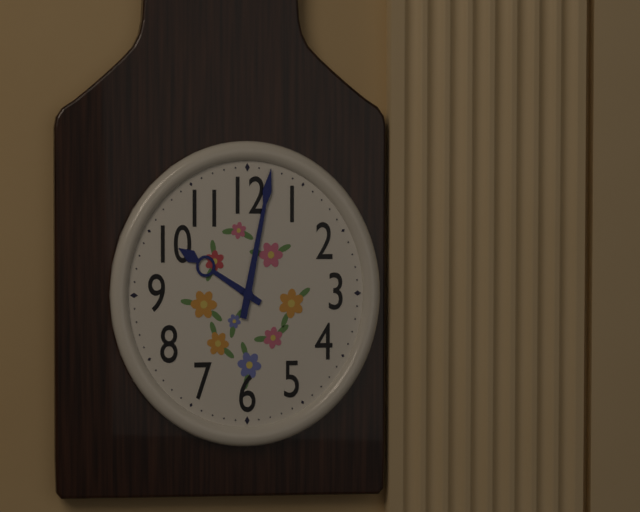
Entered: {"hour": 10, "minute": 2}
